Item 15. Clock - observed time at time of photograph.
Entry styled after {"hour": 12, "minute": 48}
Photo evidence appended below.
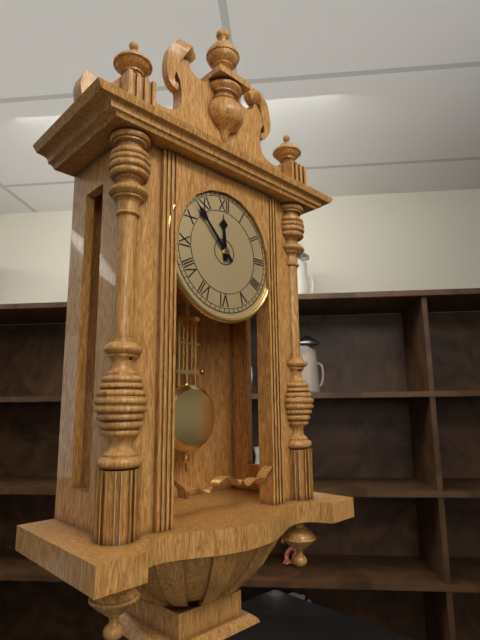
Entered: {"hour": 11, "minute": 53}
